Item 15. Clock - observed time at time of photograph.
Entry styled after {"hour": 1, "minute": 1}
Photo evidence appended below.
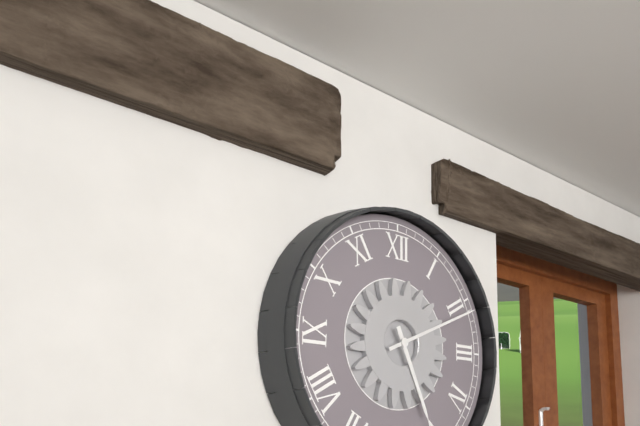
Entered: {"hour": 5, "minute": 11}
